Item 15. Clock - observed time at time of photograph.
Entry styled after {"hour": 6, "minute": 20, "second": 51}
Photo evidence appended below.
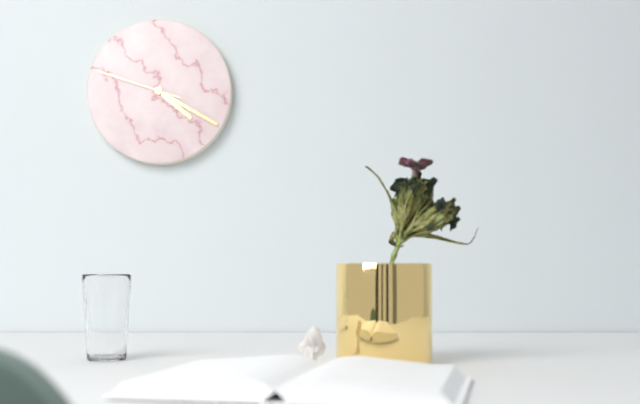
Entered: {"hour": 4, "minute": 20, "second": 48}
